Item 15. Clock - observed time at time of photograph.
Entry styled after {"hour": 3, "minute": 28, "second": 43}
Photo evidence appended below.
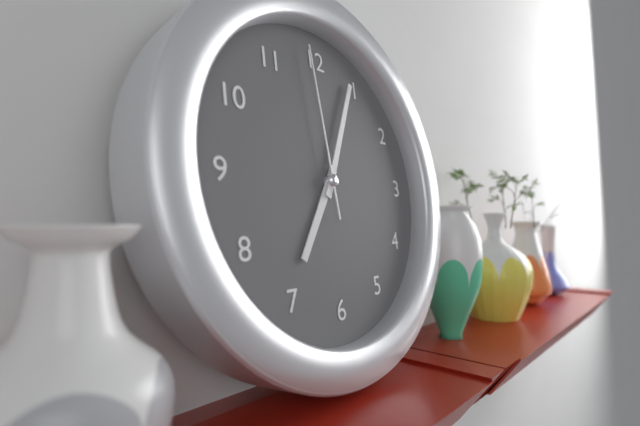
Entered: {"hour": 7, "minute": 4, "second": 59}
